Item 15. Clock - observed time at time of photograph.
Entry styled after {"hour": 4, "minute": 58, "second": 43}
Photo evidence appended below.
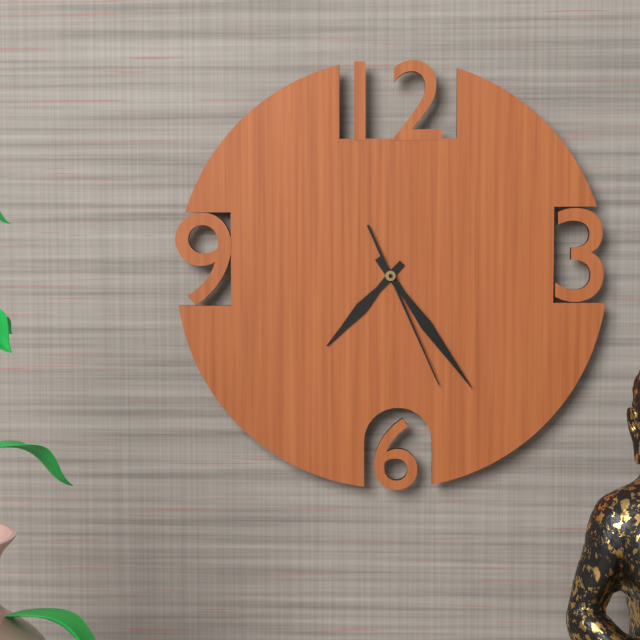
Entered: {"hour": 7, "minute": 24, "second": 26}
